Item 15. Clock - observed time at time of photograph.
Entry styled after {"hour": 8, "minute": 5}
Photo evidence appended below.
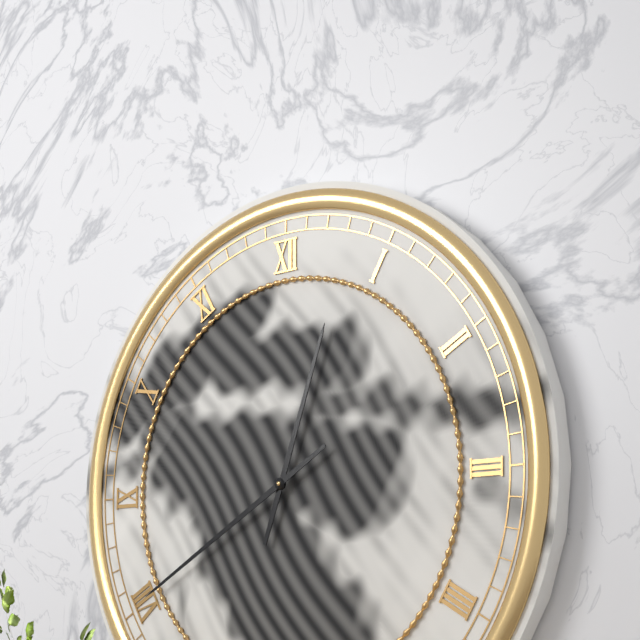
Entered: {"hour": 12, "minute": 40}
